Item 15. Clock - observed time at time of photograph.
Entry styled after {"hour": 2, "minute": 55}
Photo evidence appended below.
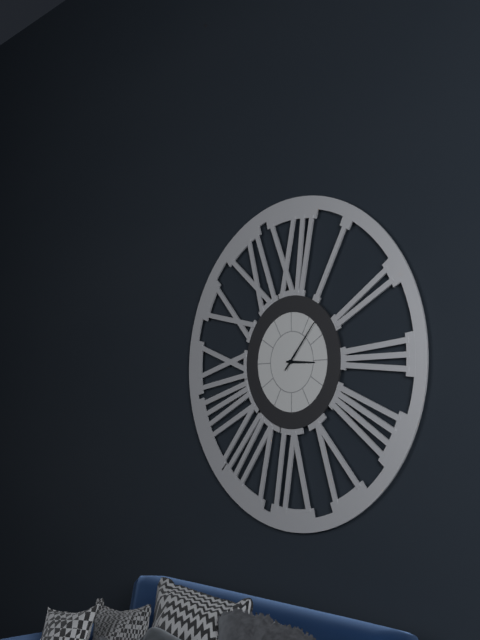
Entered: {"hour": 3, "minute": 7}
